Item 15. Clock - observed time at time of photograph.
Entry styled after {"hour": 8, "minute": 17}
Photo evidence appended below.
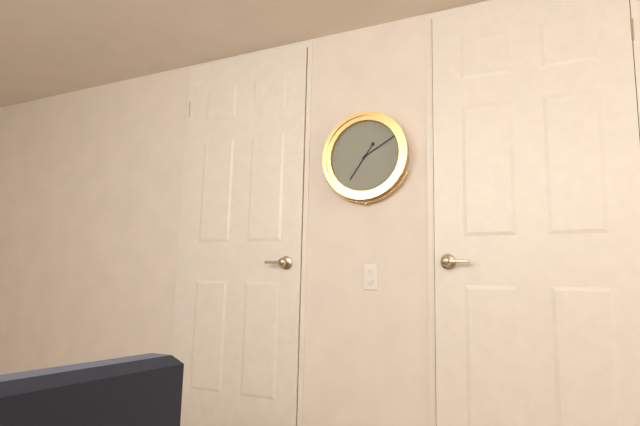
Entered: {"hour": 7, "minute": 10}
